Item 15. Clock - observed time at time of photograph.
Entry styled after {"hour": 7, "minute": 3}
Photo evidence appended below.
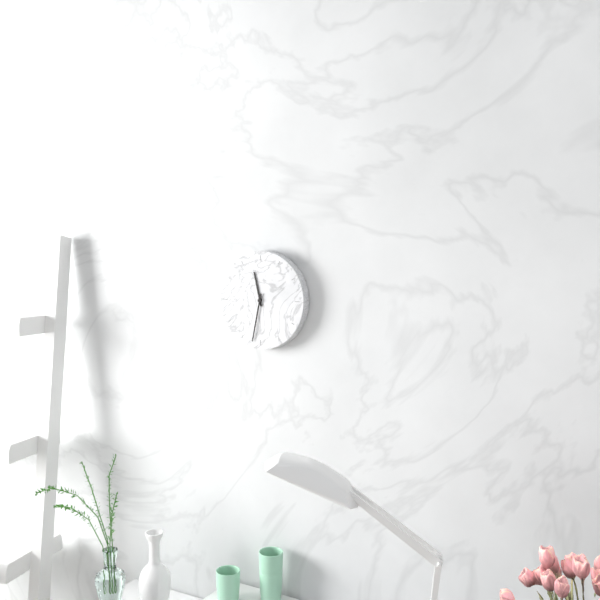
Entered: {"hour": 11, "minute": 32}
